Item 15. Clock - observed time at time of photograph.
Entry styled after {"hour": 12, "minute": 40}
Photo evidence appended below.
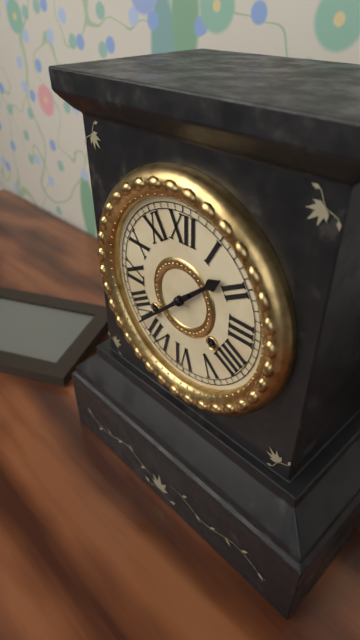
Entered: {"hour": 1, "minute": 38}
